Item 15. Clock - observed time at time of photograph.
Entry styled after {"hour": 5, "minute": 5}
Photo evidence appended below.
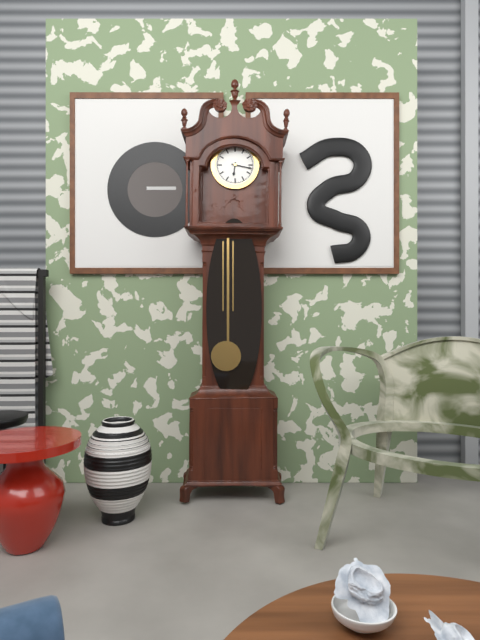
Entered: {"hour": 6, "minute": 17}
